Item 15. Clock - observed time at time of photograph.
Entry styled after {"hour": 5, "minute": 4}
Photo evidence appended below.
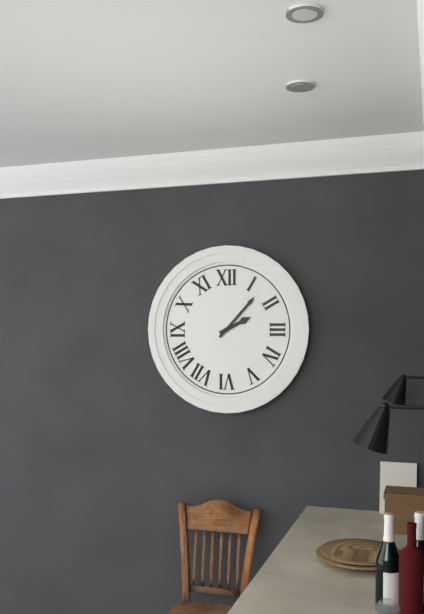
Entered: {"hour": 2, "minute": 7}
